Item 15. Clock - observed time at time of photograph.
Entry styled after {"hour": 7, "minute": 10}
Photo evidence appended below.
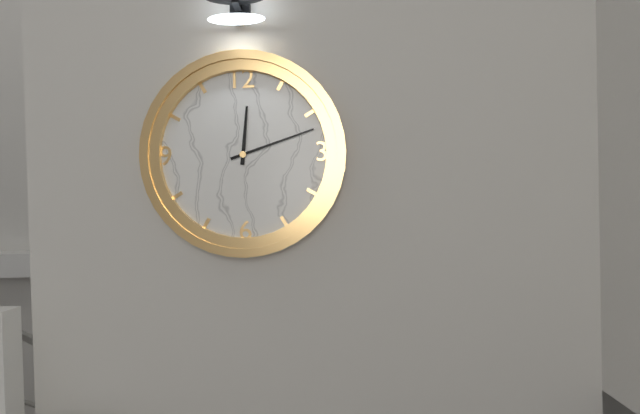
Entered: {"hour": 12, "minute": 12}
